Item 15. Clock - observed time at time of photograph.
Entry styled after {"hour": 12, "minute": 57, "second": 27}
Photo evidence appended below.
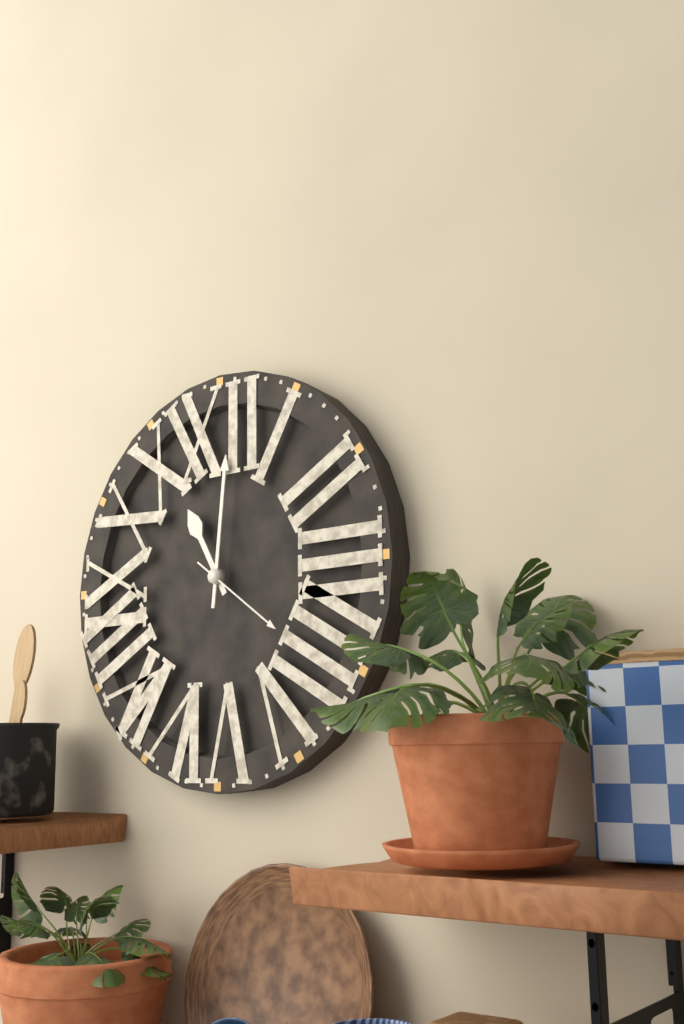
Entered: {"hour": 11, "minute": 1, "second": 21}
